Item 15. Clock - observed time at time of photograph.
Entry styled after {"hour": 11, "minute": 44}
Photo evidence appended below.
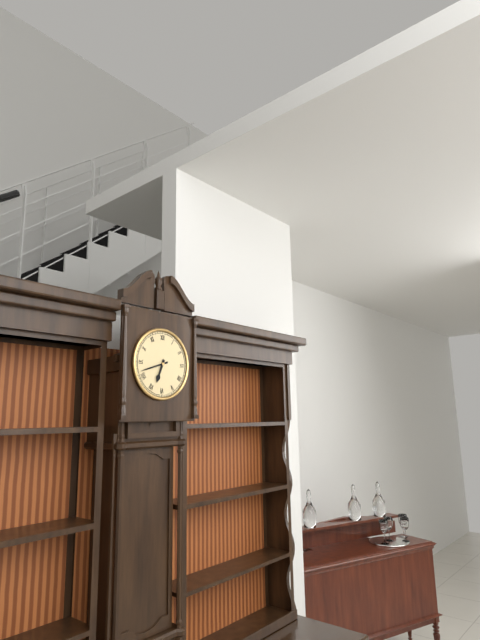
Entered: {"hour": 6, "minute": 42}
